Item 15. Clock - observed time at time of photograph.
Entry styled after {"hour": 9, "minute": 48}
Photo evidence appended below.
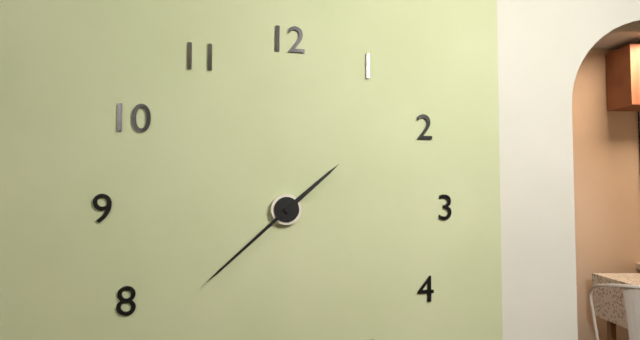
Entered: {"hour": 1, "minute": 38}
